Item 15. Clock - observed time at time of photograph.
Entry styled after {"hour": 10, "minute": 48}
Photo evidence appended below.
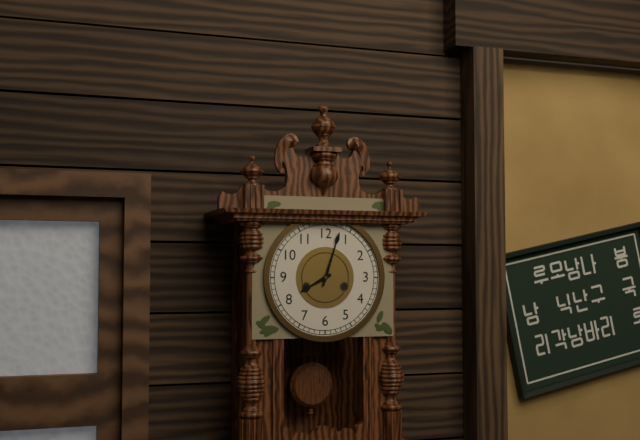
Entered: {"hour": 8, "minute": 3}
